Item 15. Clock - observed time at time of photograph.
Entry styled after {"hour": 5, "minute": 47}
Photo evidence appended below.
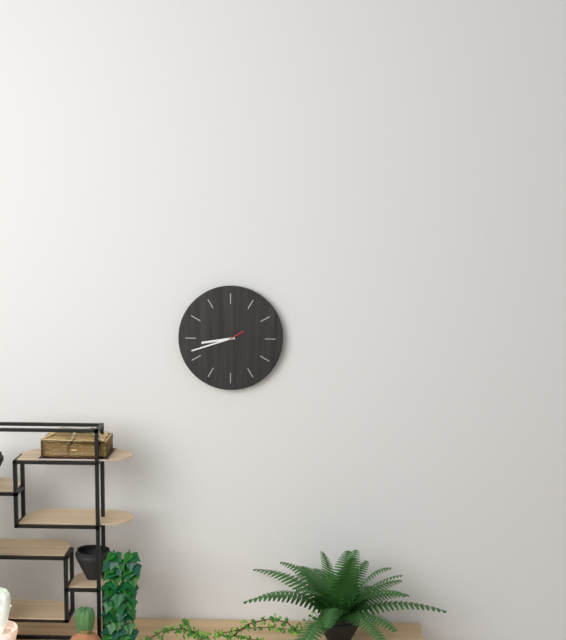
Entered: {"hour": 8, "minute": 42}
